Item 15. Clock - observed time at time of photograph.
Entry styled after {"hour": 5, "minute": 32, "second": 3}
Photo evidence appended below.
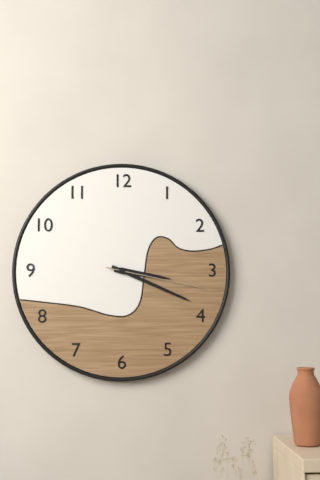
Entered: {"hour": 3, "minute": 19, "second": 17}
